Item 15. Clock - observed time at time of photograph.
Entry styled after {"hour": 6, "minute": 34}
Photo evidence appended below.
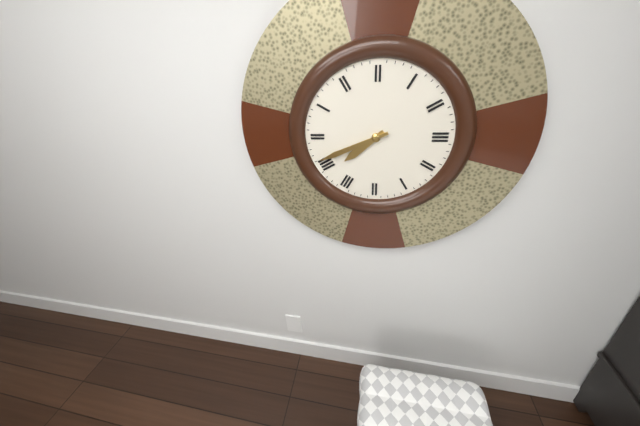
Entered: {"hour": 7, "minute": 41}
